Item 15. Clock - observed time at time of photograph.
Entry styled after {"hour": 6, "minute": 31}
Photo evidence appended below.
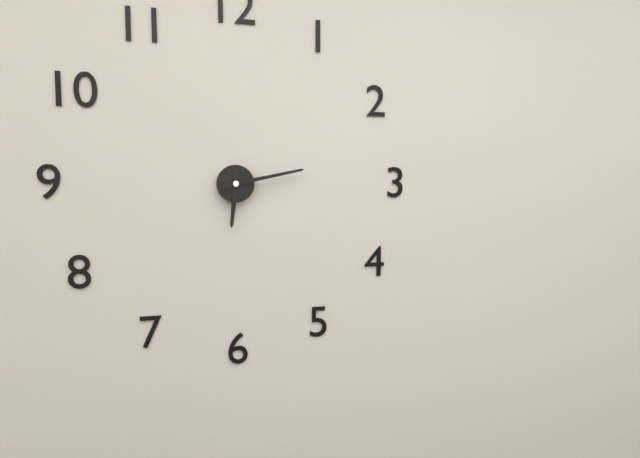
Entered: {"hour": 6, "minute": 13}
